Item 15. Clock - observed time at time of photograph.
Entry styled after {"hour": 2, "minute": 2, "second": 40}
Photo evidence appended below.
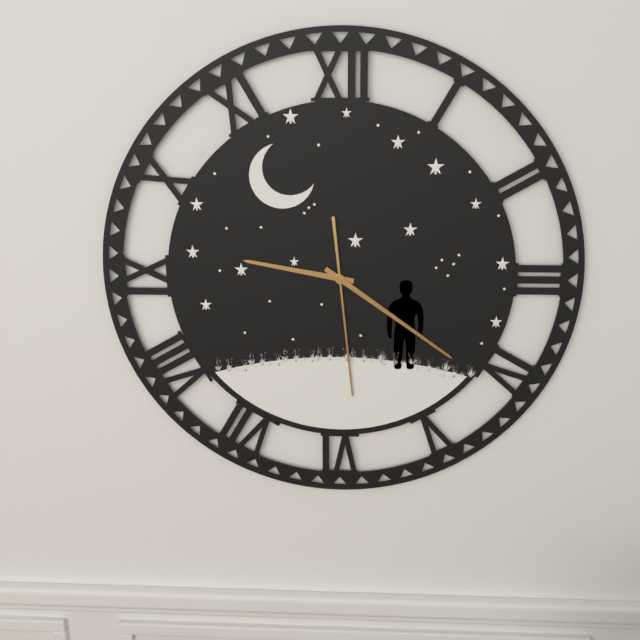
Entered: {"hour": 9, "minute": 21, "second": 29}
